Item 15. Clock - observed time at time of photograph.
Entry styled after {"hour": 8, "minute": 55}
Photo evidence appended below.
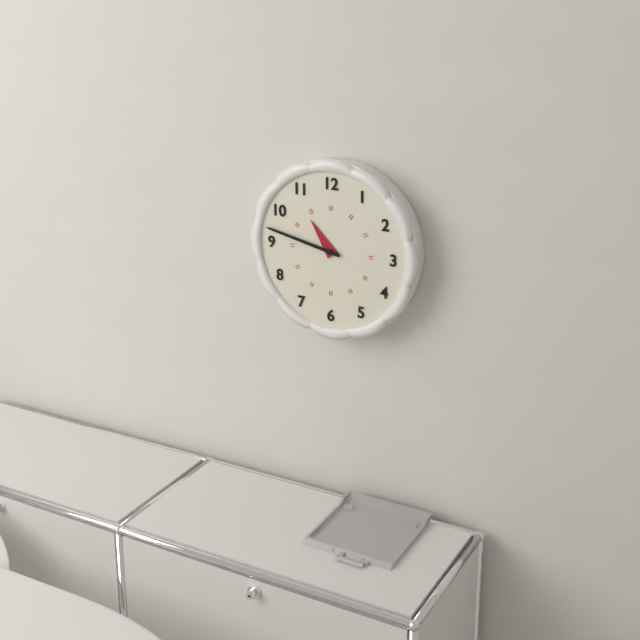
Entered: {"hour": 10, "minute": 47}
